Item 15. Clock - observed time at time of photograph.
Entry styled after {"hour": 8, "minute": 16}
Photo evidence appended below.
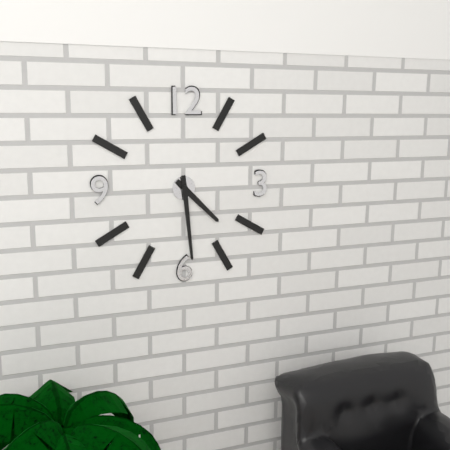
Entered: {"hour": 4, "minute": 29}
